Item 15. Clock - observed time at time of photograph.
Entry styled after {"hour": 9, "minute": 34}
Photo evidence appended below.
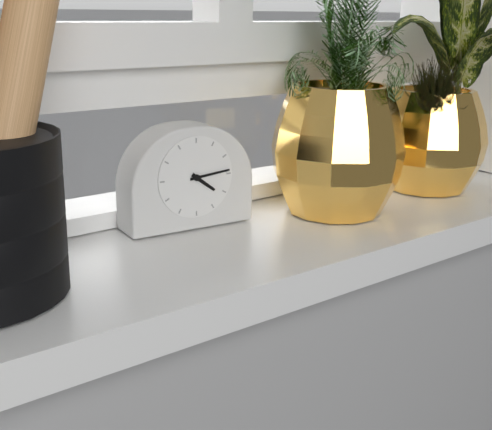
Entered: {"hour": 4, "minute": 14}
